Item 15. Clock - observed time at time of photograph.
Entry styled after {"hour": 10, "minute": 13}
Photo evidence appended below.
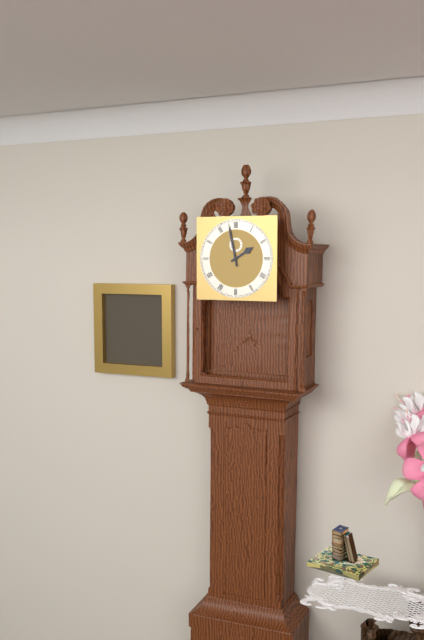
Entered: {"hour": 1, "minute": 58}
